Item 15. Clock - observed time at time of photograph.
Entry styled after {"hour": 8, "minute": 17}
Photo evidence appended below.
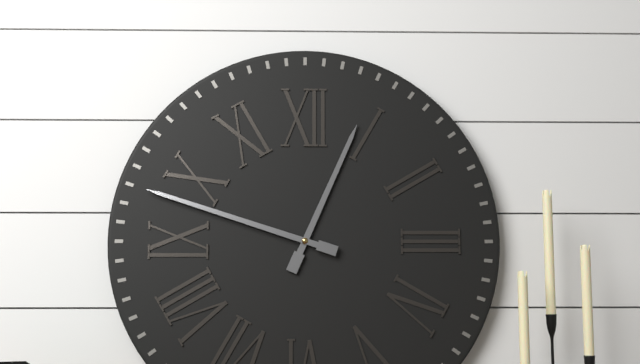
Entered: {"hour": 12, "minute": 48}
